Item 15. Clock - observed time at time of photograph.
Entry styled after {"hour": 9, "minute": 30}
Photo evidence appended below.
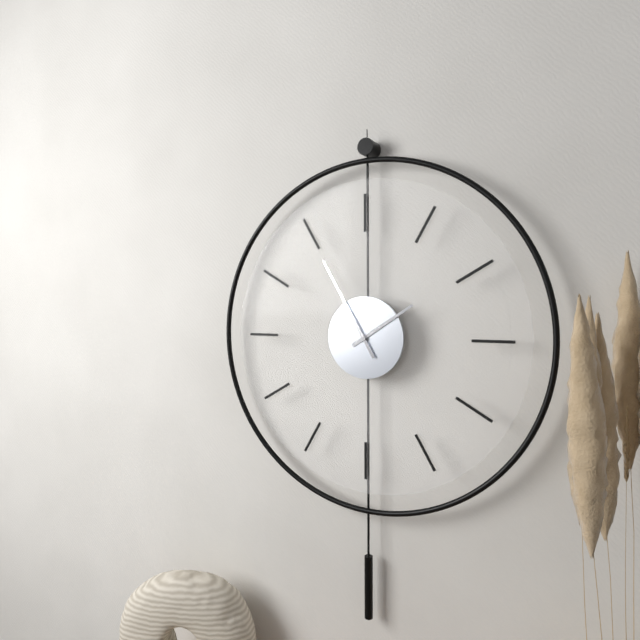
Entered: {"hour": 1, "minute": 55}
